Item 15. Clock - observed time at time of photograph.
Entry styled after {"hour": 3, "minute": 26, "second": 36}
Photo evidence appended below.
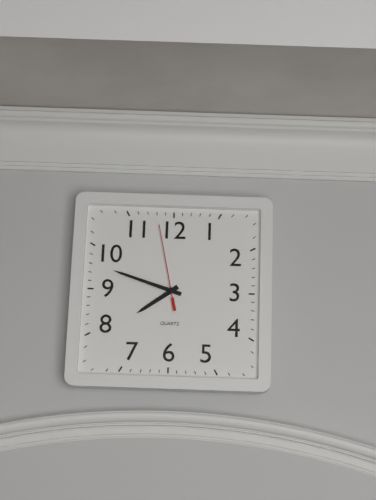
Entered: {"hour": 7, "minute": 48, "second": 58}
